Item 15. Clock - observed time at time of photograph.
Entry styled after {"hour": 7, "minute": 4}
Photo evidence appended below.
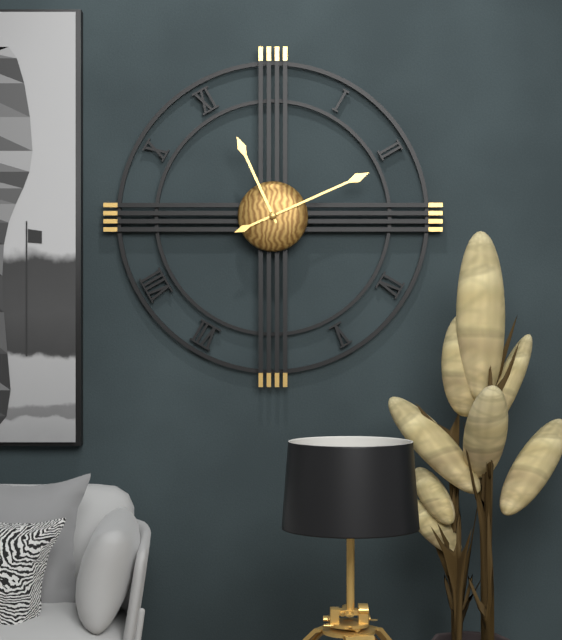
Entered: {"hour": 11, "minute": 11}
